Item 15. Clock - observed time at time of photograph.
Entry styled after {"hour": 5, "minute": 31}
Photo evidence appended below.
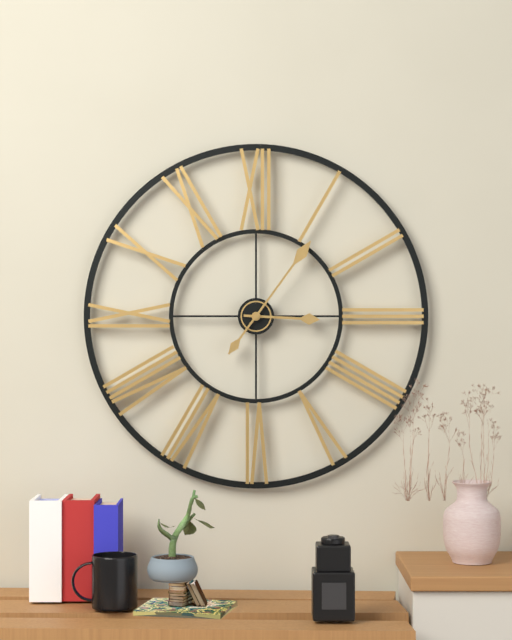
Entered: {"hour": 3, "minute": 6}
